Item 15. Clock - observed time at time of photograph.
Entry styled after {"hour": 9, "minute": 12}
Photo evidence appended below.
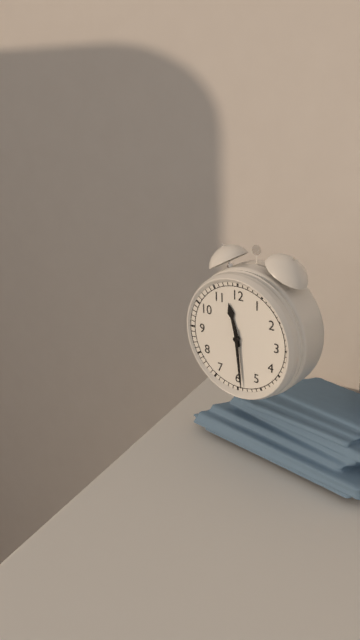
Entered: {"hour": 11, "minute": 29}
